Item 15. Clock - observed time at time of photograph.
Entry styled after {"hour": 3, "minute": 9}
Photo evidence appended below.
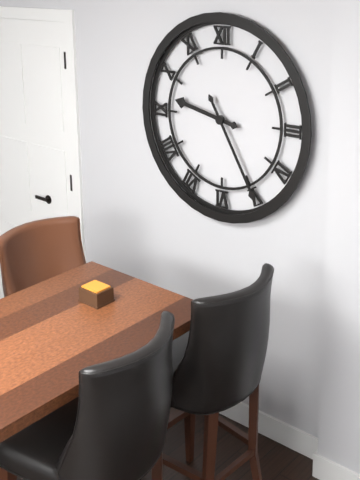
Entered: {"hour": 9, "minute": 25}
